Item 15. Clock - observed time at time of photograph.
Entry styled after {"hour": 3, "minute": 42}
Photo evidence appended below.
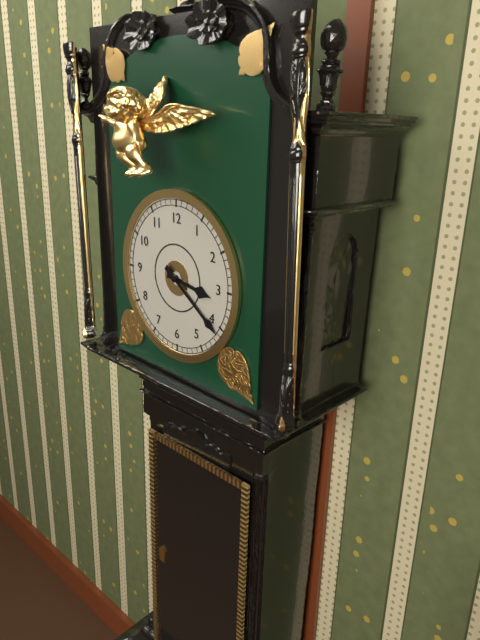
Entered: {"hour": 3, "minute": 21}
